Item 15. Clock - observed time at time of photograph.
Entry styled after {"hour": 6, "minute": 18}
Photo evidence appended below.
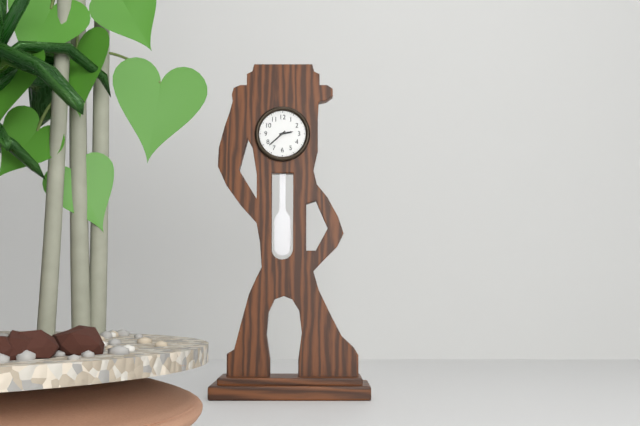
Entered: {"hour": 2, "minute": 38}
